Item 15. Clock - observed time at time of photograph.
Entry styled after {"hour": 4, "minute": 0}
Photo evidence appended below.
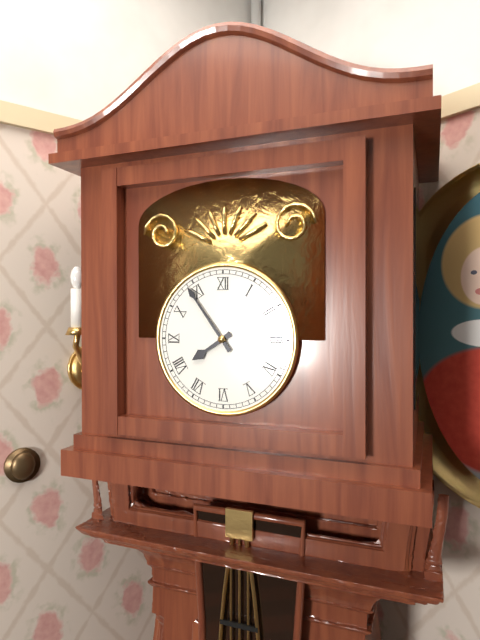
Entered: {"hour": 7, "minute": 54}
